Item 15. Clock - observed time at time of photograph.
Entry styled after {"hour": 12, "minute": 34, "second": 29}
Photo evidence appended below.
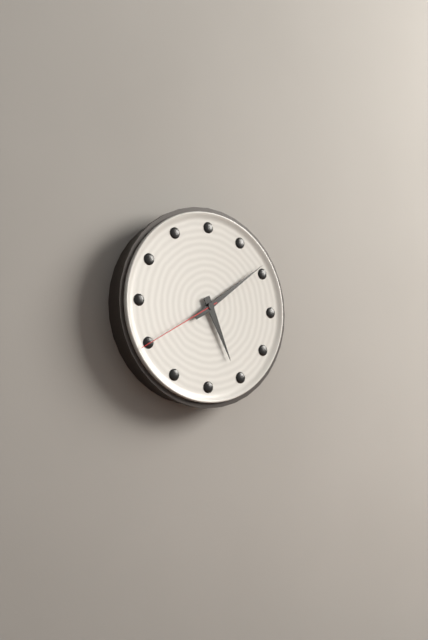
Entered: {"hour": 5, "minute": 9, "second": 40}
